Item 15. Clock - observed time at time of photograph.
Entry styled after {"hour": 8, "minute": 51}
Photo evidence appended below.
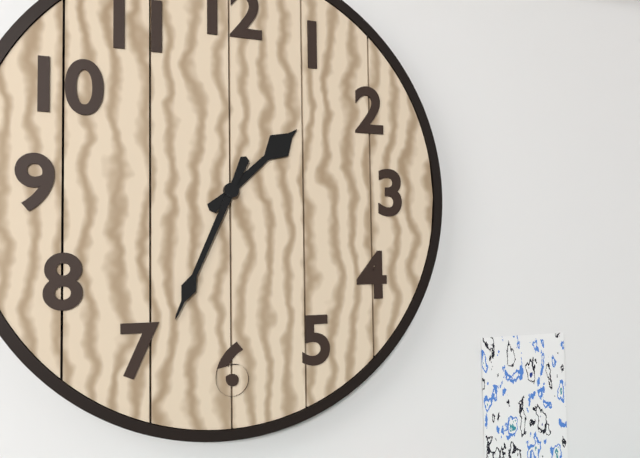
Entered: {"hour": 1, "minute": 34}
